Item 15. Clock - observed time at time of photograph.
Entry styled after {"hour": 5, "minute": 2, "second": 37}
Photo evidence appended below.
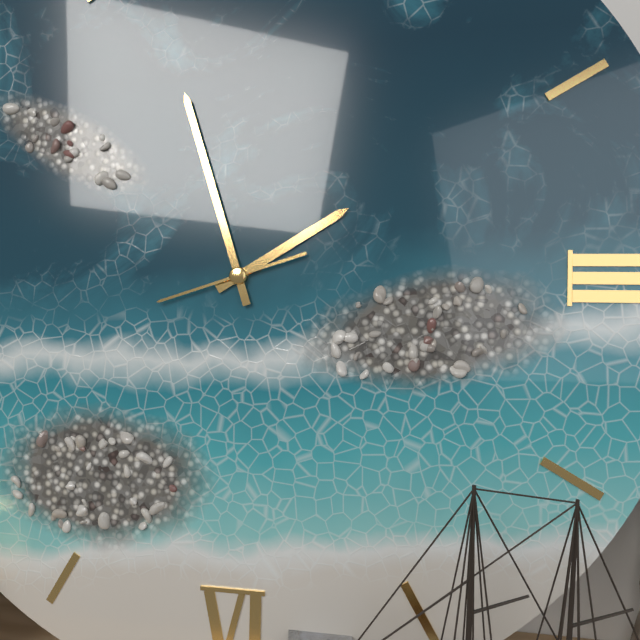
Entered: {"hour": 1, "minute": 57, "second": 42}
